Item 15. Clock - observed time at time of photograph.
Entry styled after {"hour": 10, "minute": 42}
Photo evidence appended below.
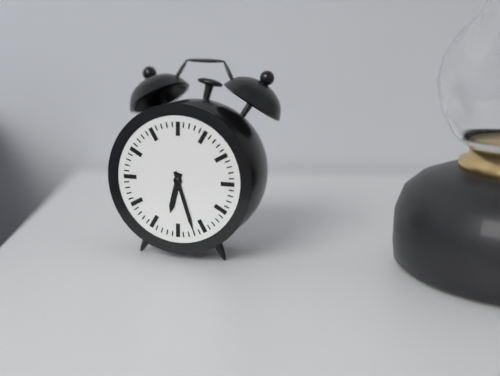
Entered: {"hour": 6, "minute": 27}
